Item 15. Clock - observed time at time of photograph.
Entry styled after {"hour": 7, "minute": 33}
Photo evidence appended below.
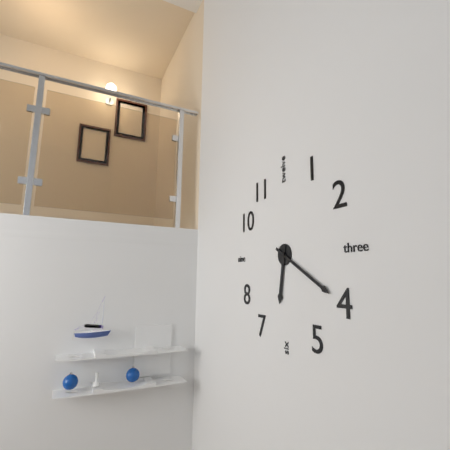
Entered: {"hour": 6, "minute": 20}
